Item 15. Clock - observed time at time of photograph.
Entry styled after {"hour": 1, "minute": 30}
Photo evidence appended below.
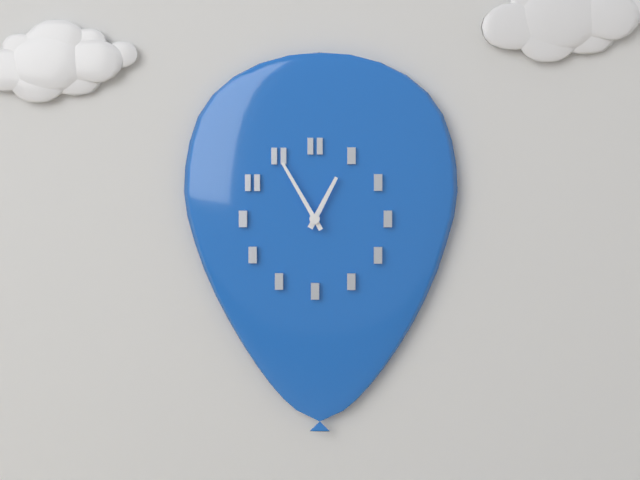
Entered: {"hour": 12, "minute": 55}
